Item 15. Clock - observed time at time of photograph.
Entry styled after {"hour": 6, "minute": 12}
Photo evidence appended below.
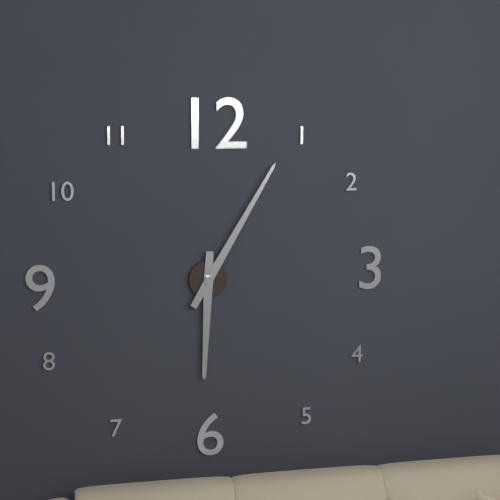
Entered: {"hour": 6, "minute": 5}
